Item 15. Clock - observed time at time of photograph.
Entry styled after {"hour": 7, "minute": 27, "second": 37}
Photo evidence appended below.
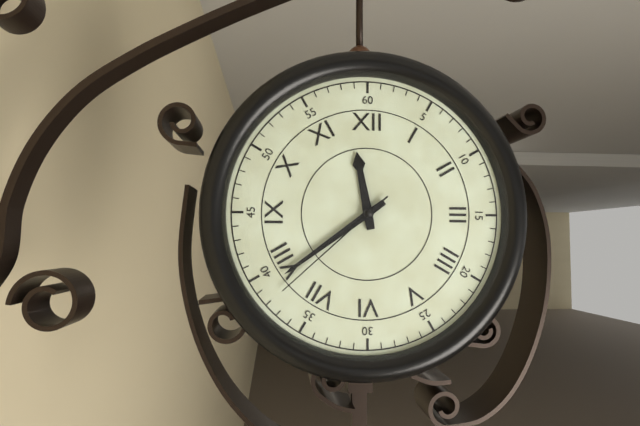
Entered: {"hour": 11, "minute": 39, "second": 38}
